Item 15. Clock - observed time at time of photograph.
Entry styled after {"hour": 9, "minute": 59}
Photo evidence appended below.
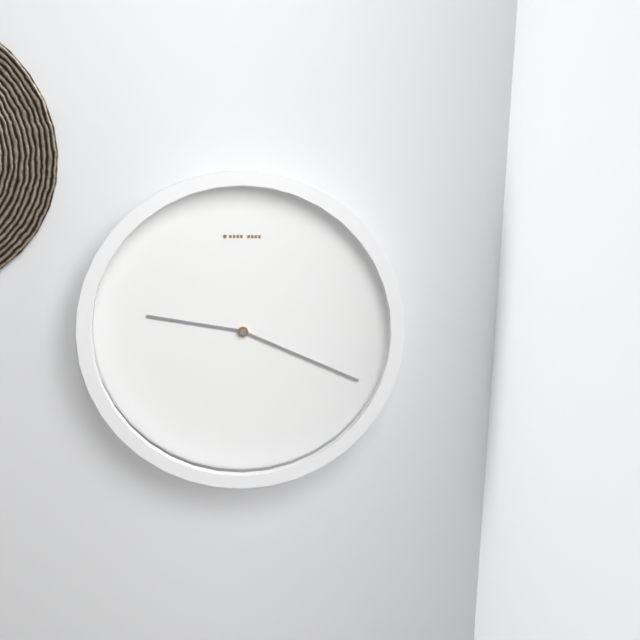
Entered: {"hour": 9, "minute": 19}
